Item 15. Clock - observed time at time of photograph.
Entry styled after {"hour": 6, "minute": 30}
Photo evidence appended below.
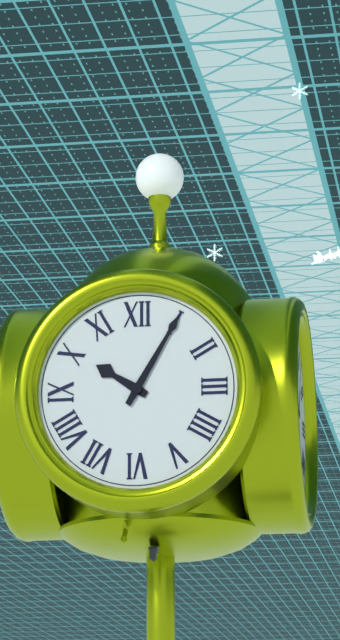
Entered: {"hour": 10, "minute": 5}
